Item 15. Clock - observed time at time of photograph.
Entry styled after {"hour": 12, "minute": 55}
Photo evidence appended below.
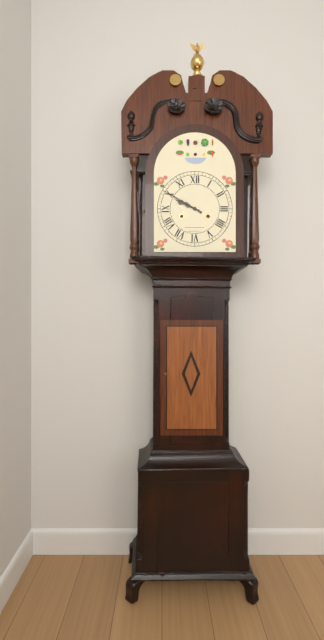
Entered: {"hour": 9, "minute": 50}
